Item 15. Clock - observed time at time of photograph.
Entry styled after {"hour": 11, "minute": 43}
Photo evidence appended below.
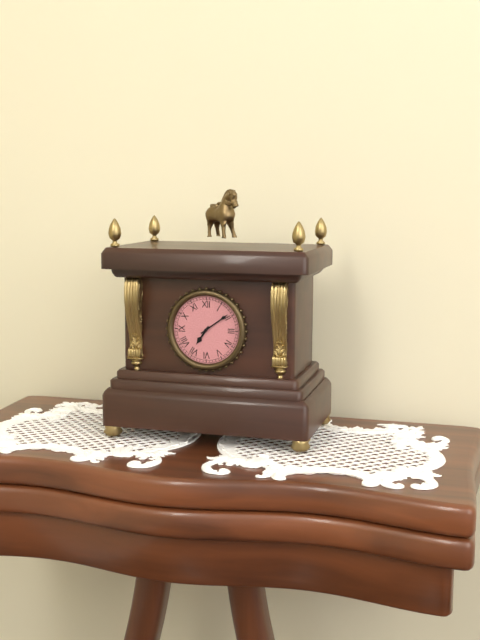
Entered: {"hour": 7, "minute": 9}
